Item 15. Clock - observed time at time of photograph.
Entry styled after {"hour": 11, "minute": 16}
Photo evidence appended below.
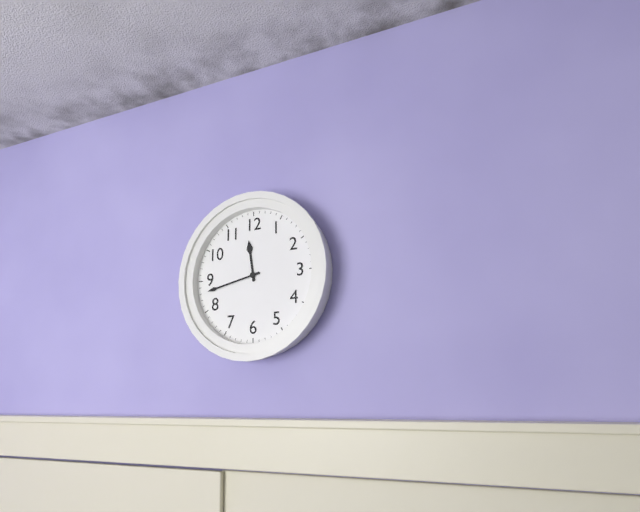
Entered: {"hour": 11, "minute": 43}
